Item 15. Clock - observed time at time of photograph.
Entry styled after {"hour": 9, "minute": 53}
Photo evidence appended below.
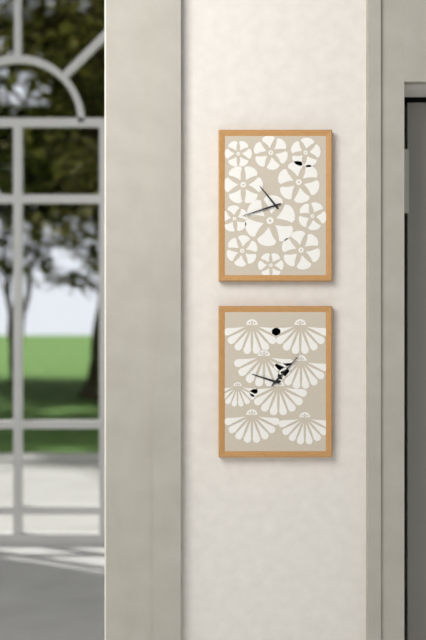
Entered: {"hour": 10, "minute": 42}
